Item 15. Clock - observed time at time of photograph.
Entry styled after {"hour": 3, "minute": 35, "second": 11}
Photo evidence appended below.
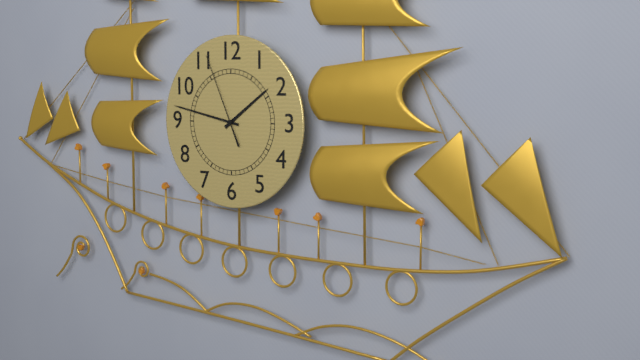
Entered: {"hour": 1, "minute": 47, "second": 56}
